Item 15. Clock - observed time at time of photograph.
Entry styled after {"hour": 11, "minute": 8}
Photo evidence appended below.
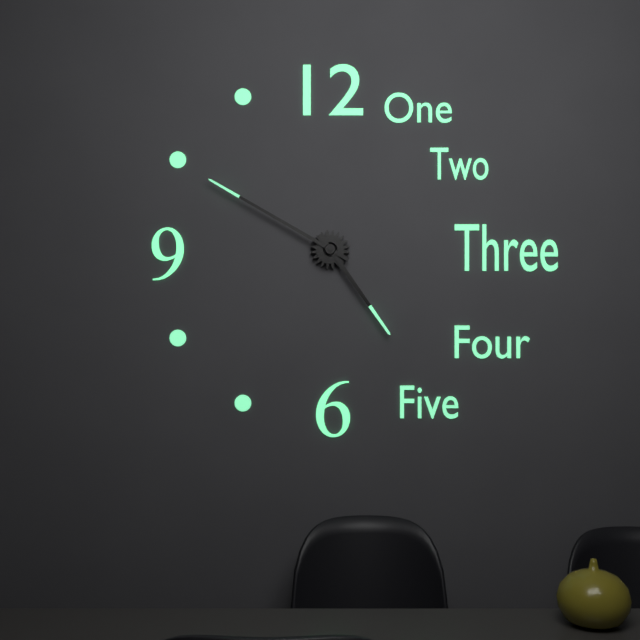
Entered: {"hour": 4, "minute": 50}
